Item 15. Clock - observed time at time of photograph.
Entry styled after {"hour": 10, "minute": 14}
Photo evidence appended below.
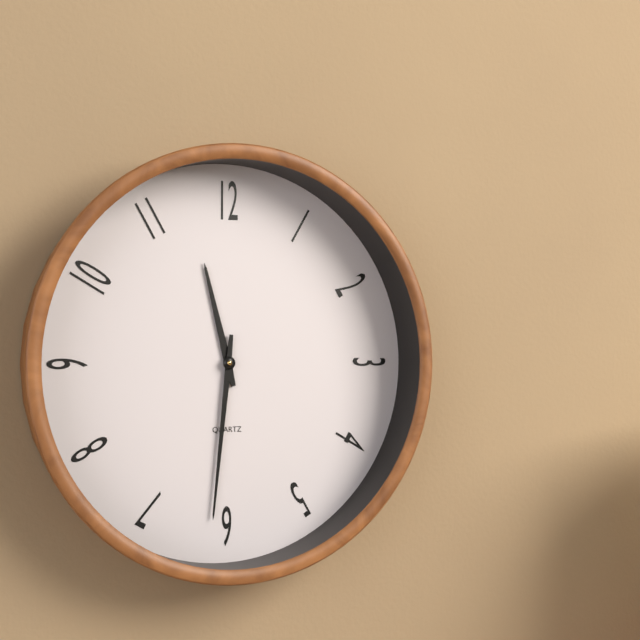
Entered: {"hour": 11, "minute": 31}
